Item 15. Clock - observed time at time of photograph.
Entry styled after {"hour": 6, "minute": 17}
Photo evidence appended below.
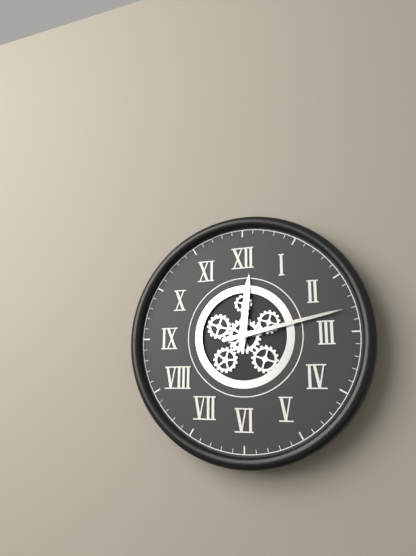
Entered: {"hour": 12, "minute": 13}
